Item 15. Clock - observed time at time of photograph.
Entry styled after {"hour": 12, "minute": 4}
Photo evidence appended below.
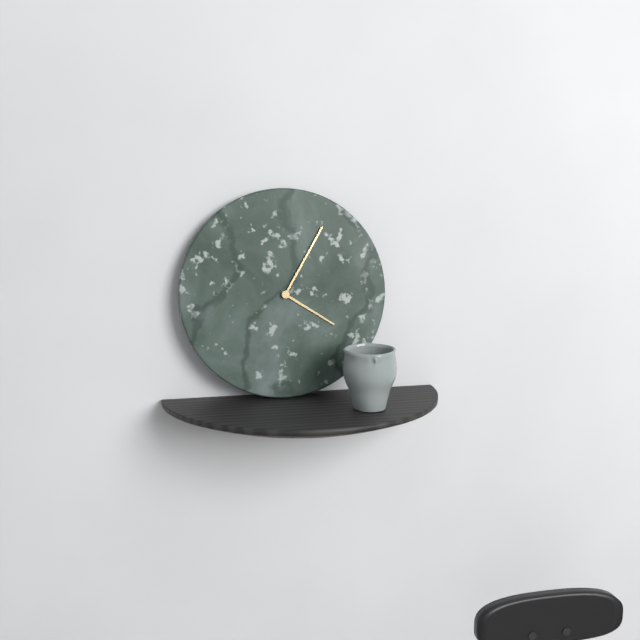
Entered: {"hour": 4, "minute": 5}
